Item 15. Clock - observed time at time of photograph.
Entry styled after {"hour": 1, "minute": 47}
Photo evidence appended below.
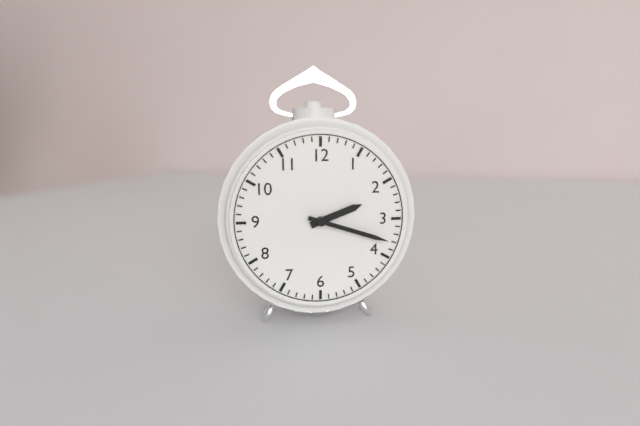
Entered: {"hour": 2, "minute": 18}
